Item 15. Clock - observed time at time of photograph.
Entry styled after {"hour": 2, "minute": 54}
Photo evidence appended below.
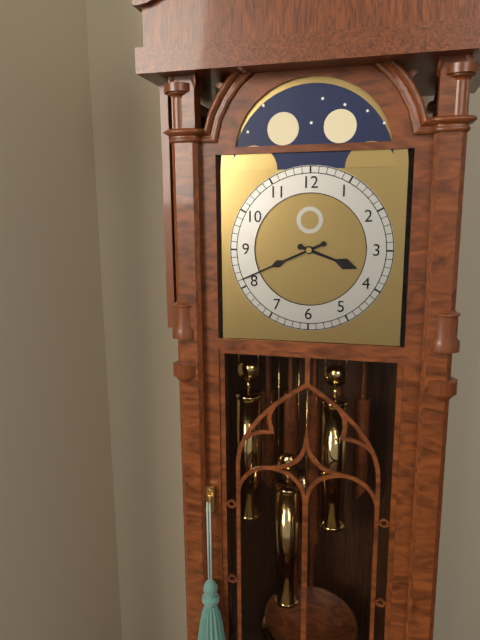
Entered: {"hour": 3, "minute": 41}
